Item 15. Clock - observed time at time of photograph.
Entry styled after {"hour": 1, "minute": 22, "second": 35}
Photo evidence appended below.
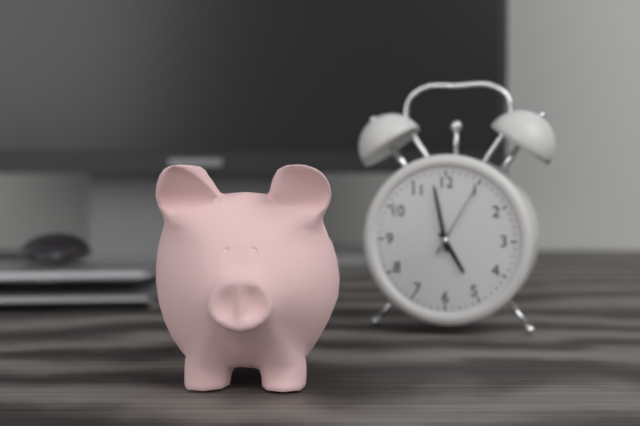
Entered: {"hour": 4, "minute": 58, "second": 5}
